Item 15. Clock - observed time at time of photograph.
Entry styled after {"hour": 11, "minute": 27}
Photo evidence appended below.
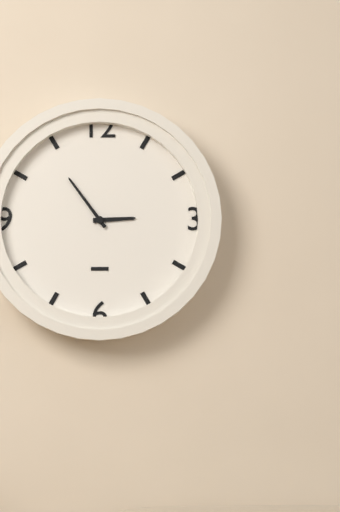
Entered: {"hour": 2, "minute": 54}
